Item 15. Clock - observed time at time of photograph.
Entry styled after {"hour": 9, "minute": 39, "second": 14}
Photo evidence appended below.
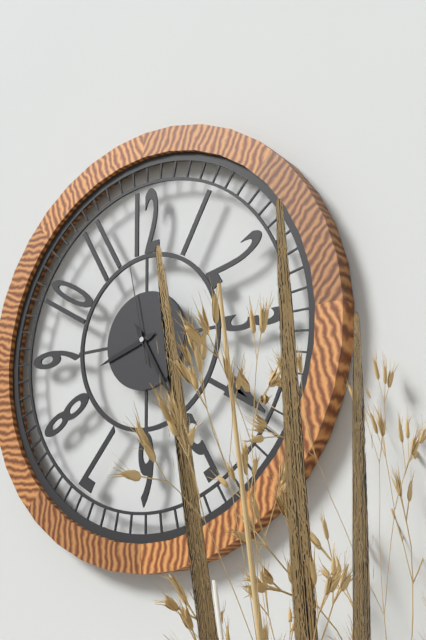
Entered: {"hour": 8, "minute": 25, "second": 58}
